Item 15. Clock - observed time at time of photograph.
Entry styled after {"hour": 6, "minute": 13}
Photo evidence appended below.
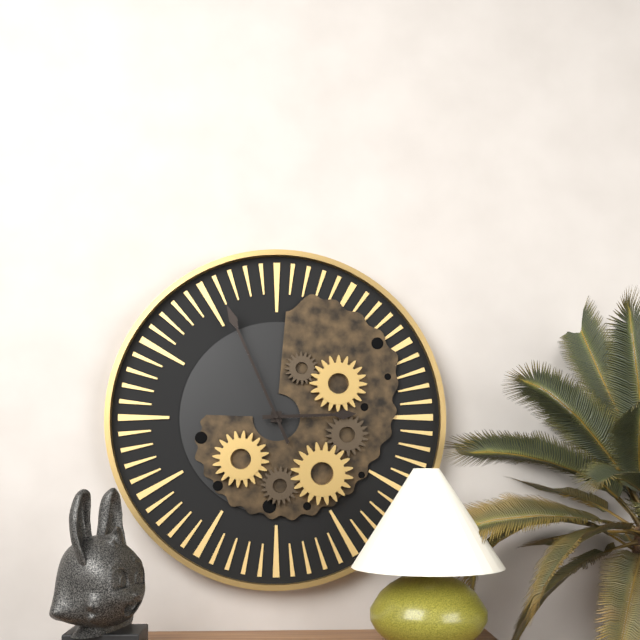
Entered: {"hour": 2, "minute": 56}
